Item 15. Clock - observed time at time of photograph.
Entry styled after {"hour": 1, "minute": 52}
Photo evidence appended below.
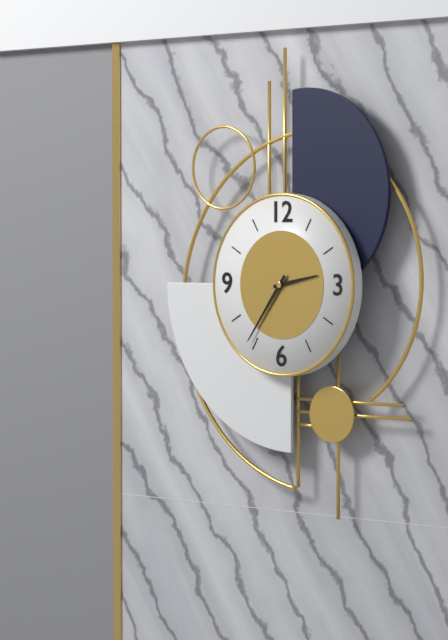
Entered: {"hour": 2, "minute": 36}
